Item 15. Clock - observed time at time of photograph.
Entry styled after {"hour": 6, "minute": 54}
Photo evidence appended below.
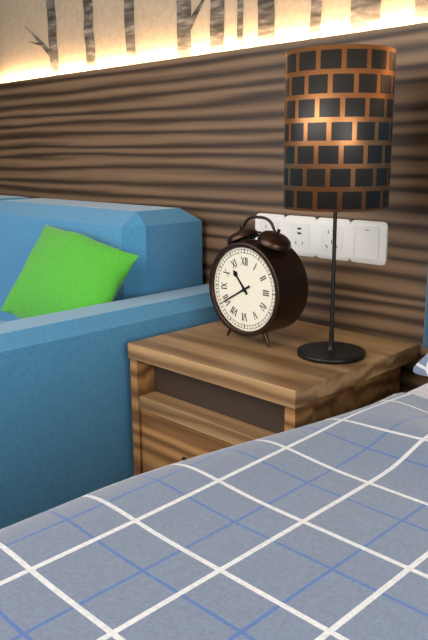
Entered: {"hour": 10, "minute": 40}
